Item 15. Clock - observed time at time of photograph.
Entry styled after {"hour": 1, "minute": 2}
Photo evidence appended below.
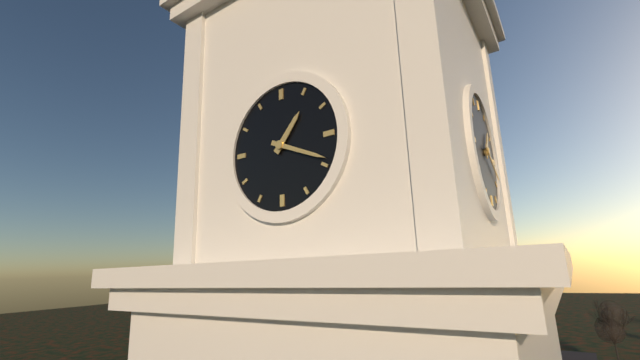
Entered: {"hour": 1, "minute": 19}
